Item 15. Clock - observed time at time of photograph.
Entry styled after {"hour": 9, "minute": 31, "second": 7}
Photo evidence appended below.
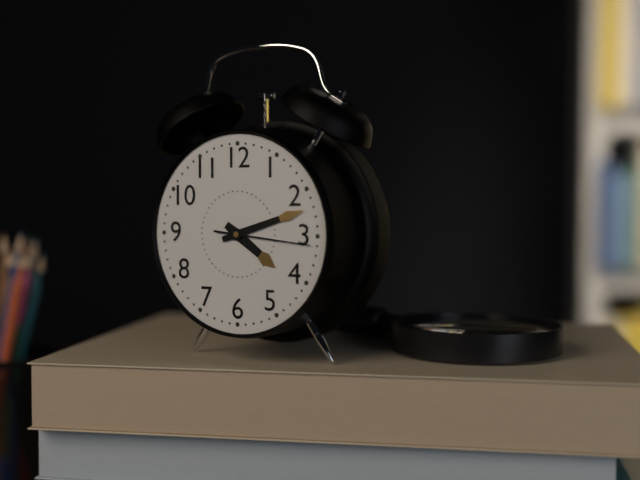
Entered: {"hour": 4, "minute": 12, "second": 16}
